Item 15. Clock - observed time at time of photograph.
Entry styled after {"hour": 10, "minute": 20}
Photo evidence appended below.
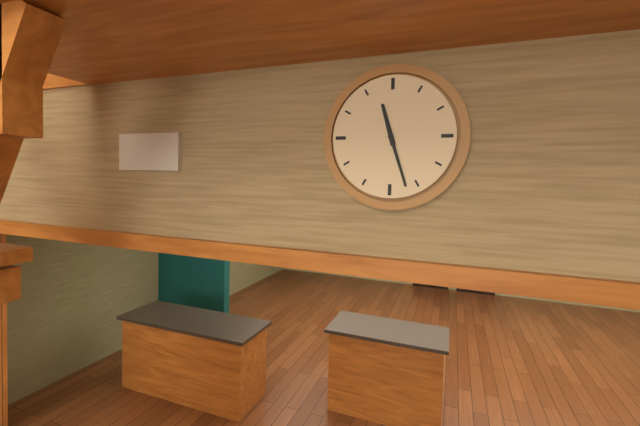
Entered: {"hour": 11, "minute": 27}
